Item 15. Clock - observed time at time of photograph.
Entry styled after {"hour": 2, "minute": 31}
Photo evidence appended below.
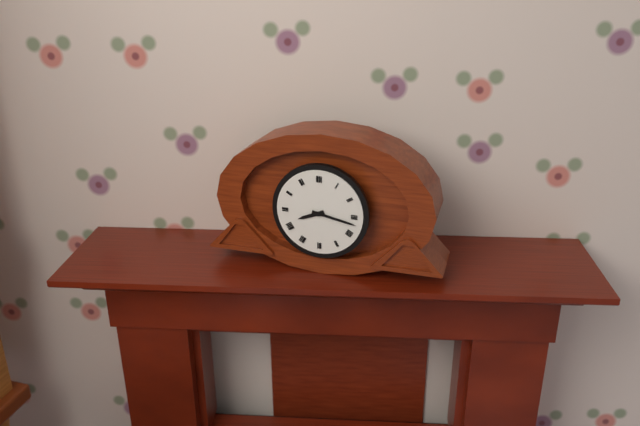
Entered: {"hour": 8, "minute": 17}
